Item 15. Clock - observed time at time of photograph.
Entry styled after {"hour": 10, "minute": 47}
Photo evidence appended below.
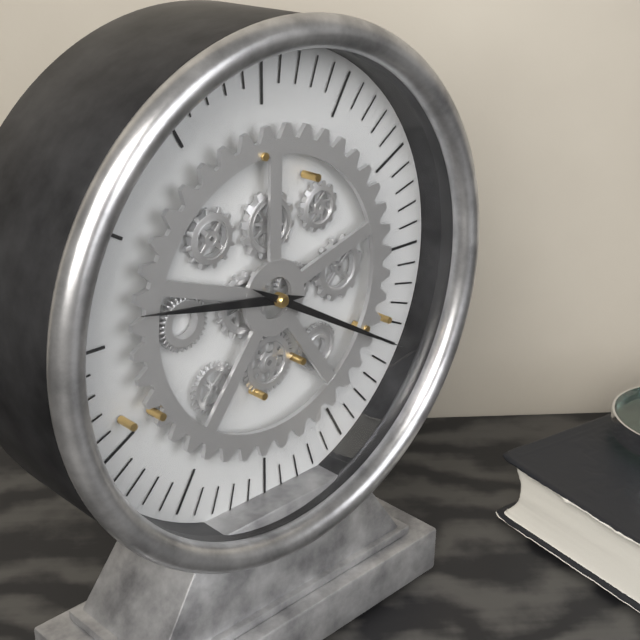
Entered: {"hour": 9, "minute": 20}
